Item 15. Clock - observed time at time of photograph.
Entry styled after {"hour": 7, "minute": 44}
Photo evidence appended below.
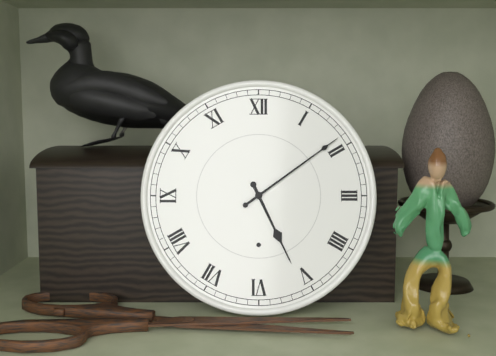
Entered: {"hour": 5, "minute": 9}
